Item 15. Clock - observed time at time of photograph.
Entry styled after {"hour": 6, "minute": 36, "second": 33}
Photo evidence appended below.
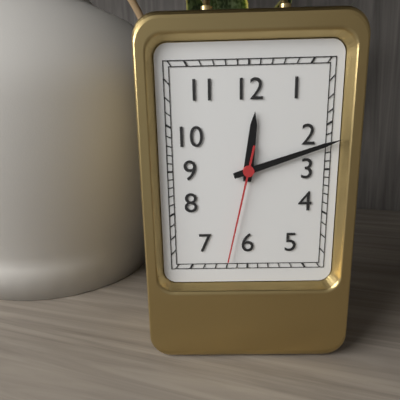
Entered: {"hour": 12, "minute": 12, "second": 32}
